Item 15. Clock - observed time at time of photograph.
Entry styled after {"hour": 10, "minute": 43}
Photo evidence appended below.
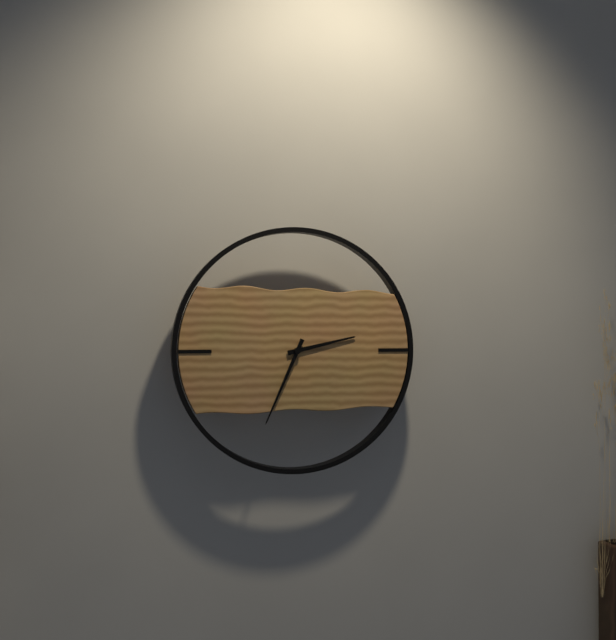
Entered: {"hour": 2, "minute": 34}
